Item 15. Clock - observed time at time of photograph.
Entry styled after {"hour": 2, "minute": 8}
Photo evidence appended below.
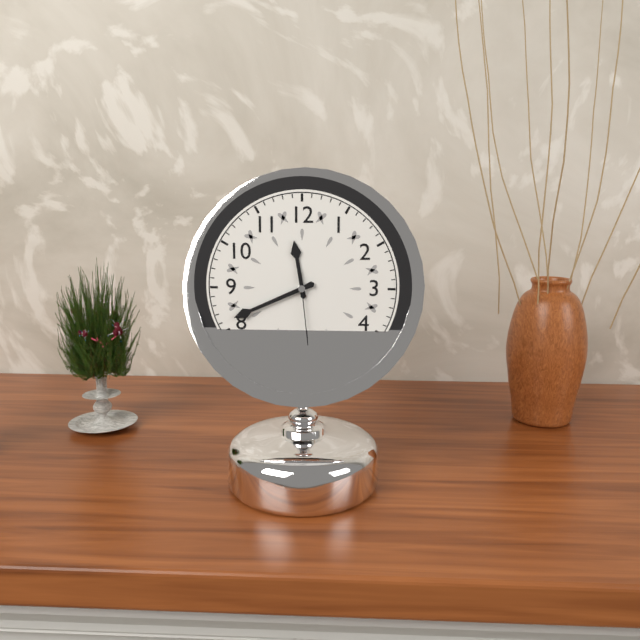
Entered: {"hour": 11, "minute": 41}
